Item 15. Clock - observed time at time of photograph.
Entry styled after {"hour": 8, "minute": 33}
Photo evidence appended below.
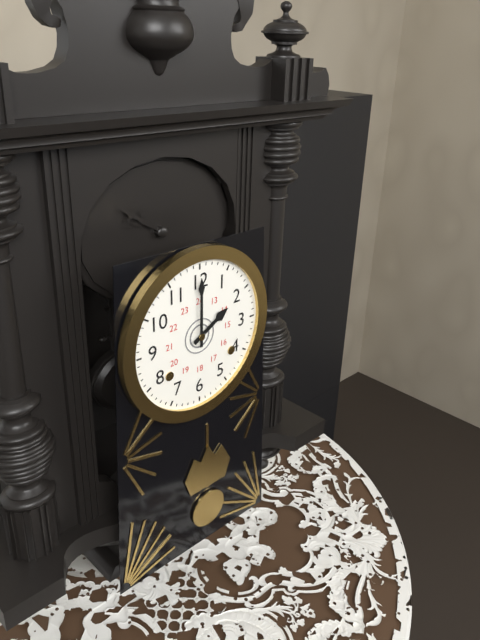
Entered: {"hour": 2, "minute": 0}
